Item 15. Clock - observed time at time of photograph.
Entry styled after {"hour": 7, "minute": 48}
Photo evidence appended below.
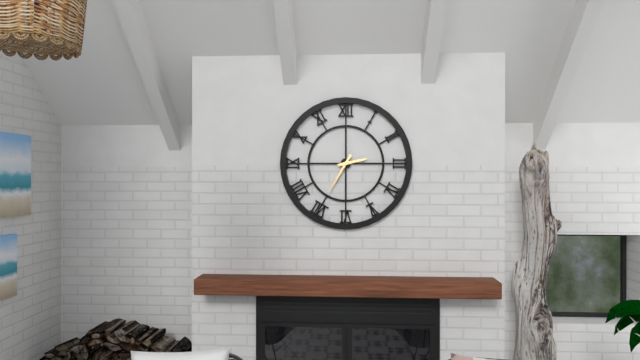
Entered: {"hour": 2, "minute": 35}
